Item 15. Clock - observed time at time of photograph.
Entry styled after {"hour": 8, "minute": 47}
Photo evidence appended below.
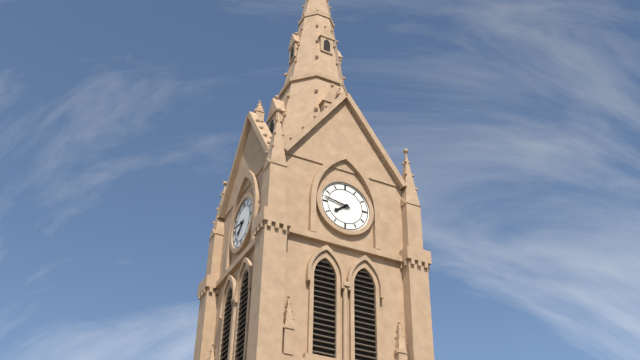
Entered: {"hour": 7, "minute": 47}
